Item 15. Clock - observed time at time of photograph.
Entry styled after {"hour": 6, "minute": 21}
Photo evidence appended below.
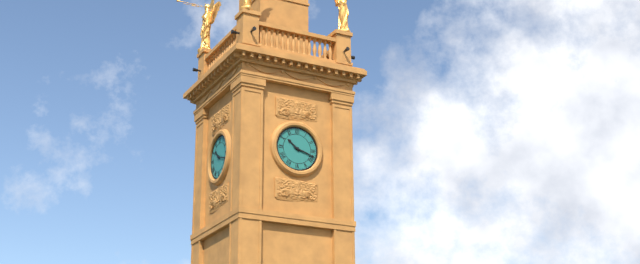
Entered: {"hour": 10, "minute": 18}
